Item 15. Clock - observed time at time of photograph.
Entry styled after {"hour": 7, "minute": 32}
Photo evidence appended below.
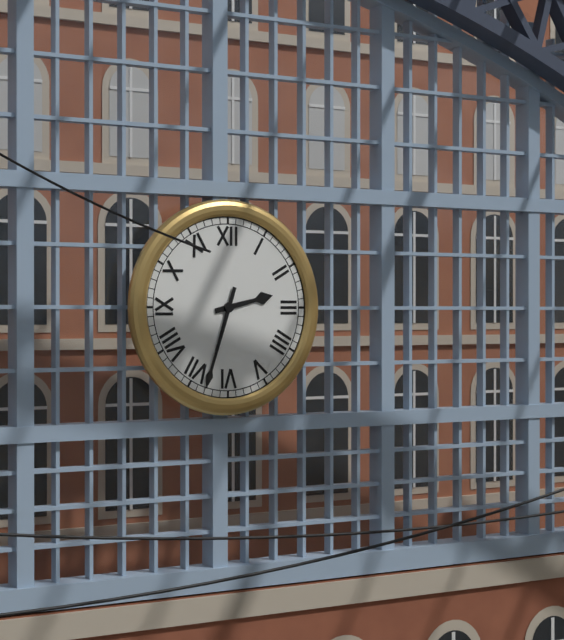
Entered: {"hour": 2, "minute": 33}
